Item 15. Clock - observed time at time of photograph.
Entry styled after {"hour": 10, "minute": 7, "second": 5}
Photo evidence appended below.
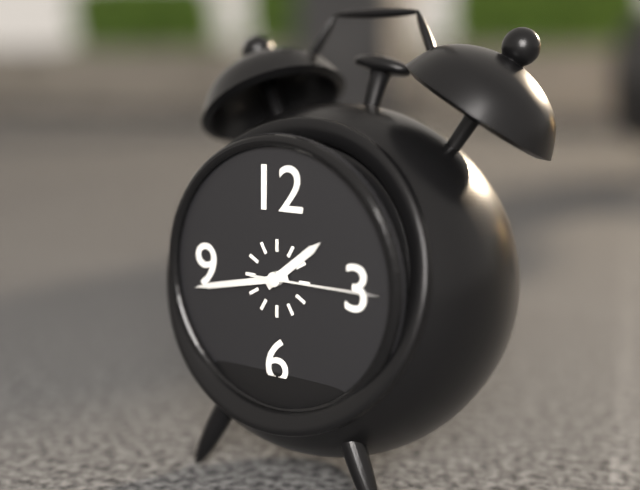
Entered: {"hour": 1, "minute": 43, "second": 15}
